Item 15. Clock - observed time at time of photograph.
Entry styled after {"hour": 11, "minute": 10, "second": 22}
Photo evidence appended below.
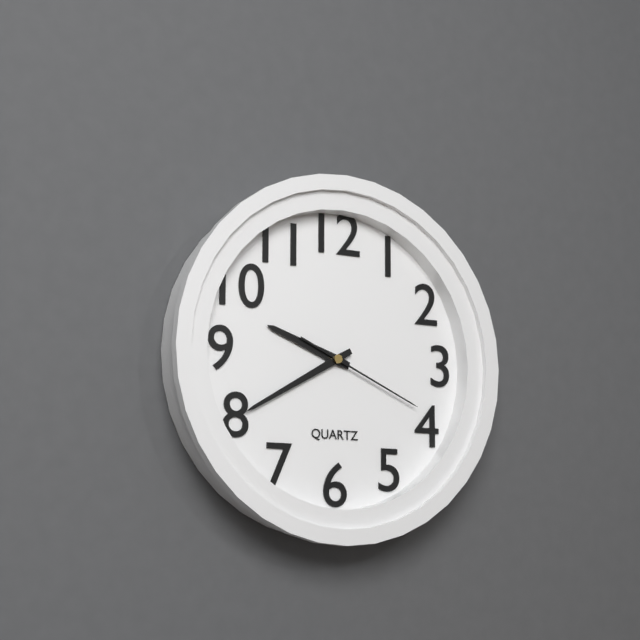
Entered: {"hour": 9, "minute": 40, "second": 19}
